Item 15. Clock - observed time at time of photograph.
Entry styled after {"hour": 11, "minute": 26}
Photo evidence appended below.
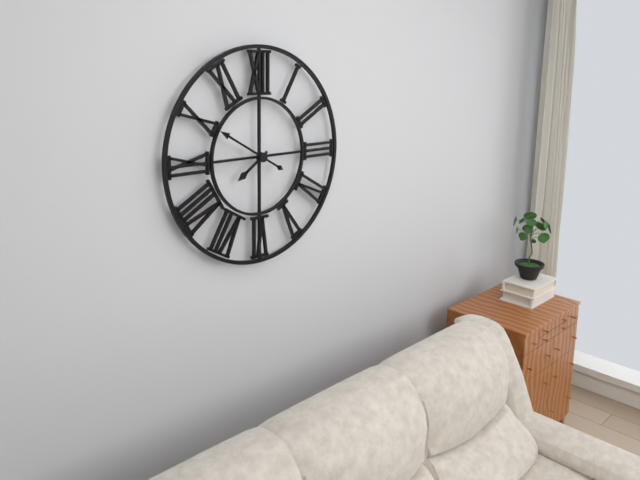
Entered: {"hour": 7, "minute": 50}
